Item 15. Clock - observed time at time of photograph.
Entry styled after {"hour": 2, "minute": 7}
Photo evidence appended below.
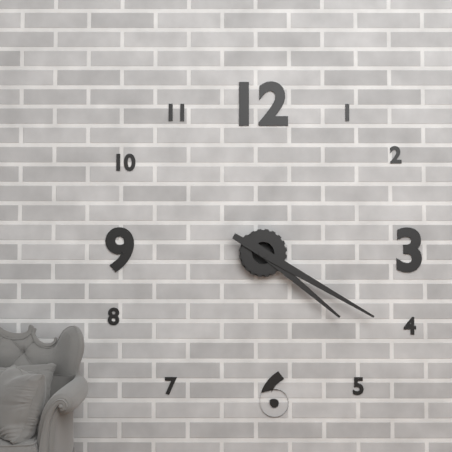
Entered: {"hour": 4, "minute": 20}
